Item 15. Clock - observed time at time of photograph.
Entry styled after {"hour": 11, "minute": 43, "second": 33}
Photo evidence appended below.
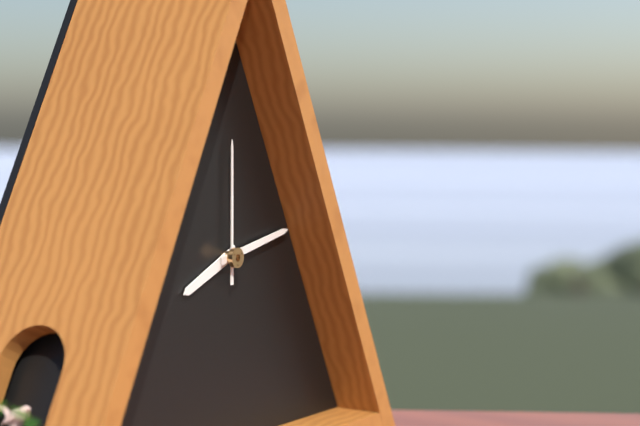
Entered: {"hour": 8, "minute": 13, "second": 0}
